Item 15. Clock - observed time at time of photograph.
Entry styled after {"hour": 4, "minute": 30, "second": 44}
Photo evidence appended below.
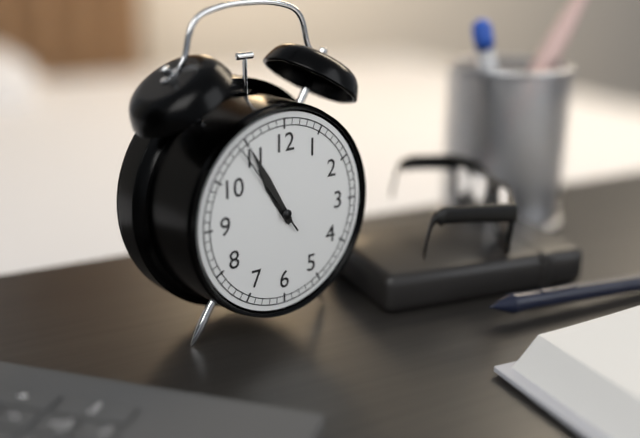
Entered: {"hour": 10, "minute": 55, "second": 54}
